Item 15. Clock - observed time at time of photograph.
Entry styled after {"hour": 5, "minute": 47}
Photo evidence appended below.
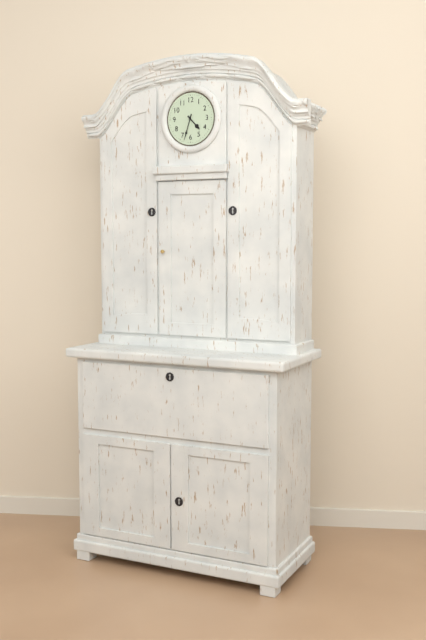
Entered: {"hour": 4, "minute": 33}
